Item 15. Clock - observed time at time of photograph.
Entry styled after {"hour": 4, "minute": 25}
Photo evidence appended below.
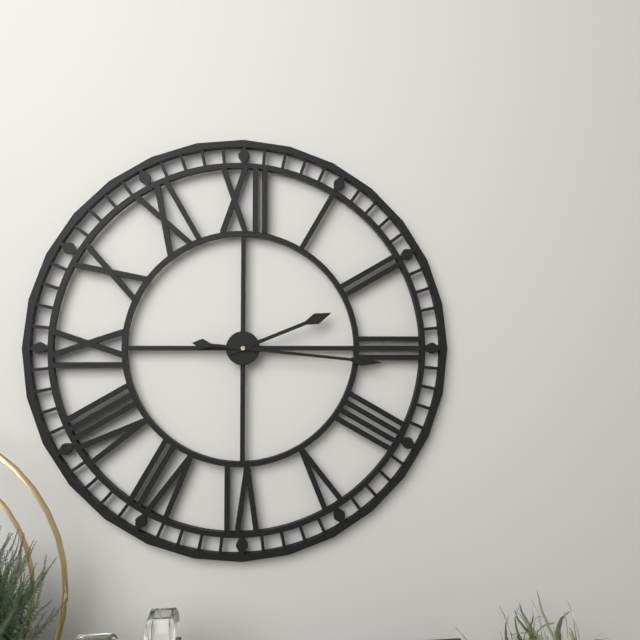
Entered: {"hour": 2, "minute": 16}
